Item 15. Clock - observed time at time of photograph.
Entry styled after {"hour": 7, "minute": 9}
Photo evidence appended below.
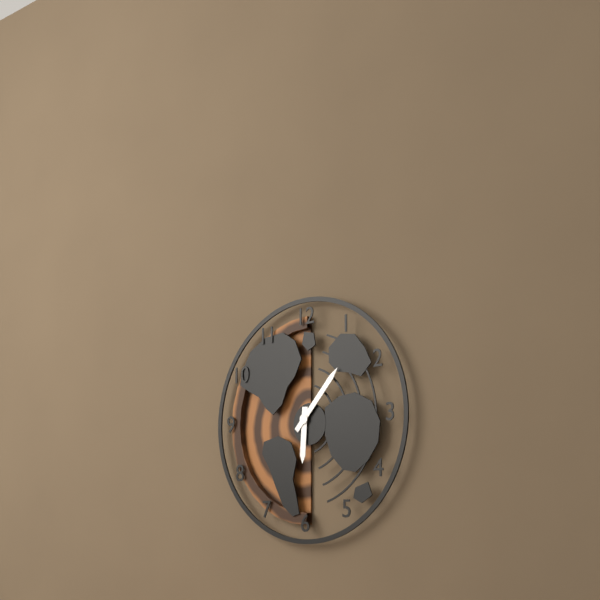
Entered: {"hour": 6, "minute": 7}
